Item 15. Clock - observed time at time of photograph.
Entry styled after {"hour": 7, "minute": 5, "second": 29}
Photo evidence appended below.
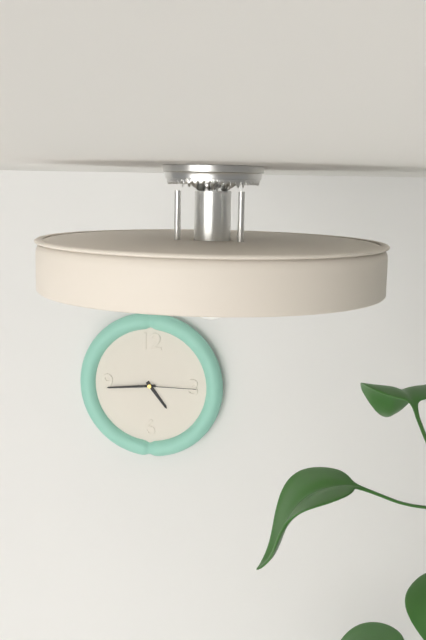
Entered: {"hour": 4, "minute": 44, "second": 15}
